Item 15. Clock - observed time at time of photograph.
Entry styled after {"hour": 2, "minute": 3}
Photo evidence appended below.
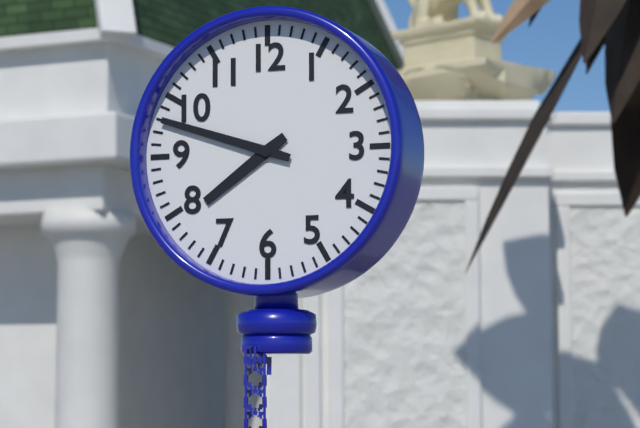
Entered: {"hour": 7, "minute": 48}
